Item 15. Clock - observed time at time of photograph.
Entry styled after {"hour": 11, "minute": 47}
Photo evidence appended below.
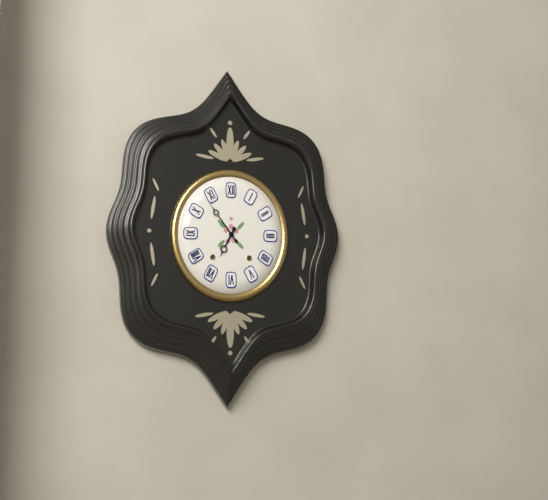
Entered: {"hour": 6, "minute": 54}
